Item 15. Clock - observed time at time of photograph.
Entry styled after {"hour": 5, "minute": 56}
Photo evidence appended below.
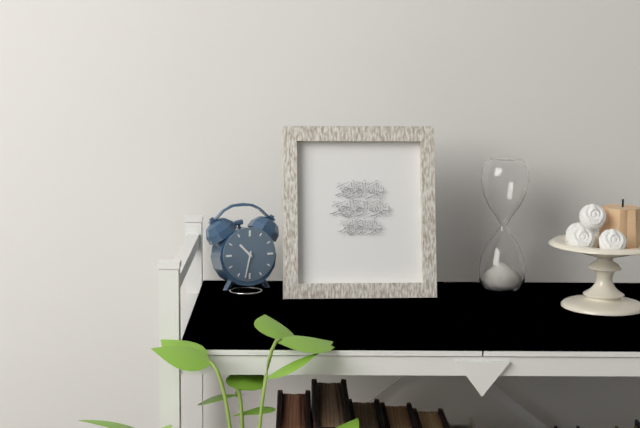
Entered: {"hour": 10, "minute": 32}
